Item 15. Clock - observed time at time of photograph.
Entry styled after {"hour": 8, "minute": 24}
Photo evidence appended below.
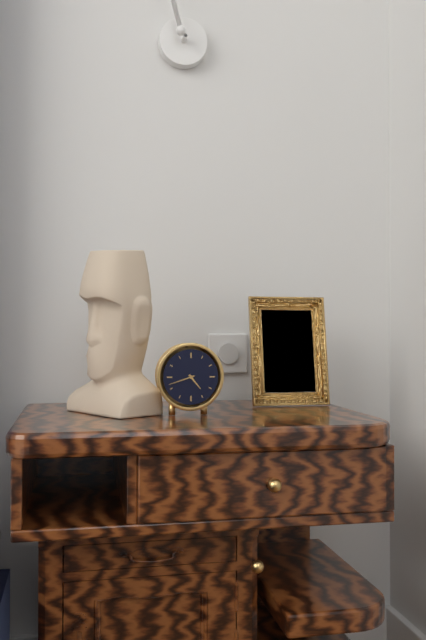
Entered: {"hour": 4, "minute": 42}
